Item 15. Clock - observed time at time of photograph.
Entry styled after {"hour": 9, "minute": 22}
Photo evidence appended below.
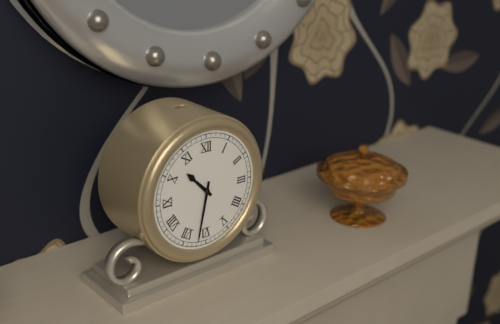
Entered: {"hour": 10, "minute": 32}
